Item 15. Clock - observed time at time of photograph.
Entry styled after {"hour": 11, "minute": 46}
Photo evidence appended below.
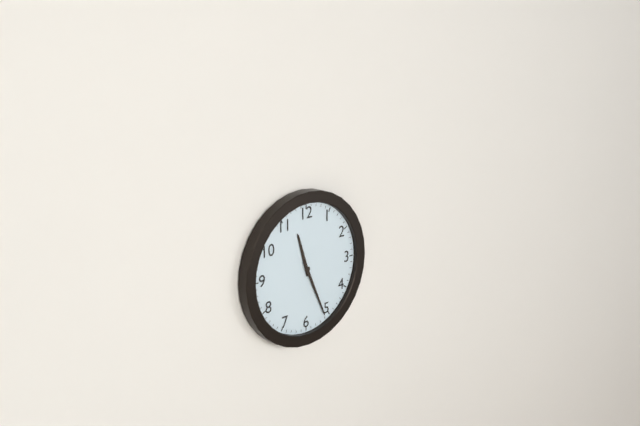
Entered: {"hour": 11, "minute": 26}
